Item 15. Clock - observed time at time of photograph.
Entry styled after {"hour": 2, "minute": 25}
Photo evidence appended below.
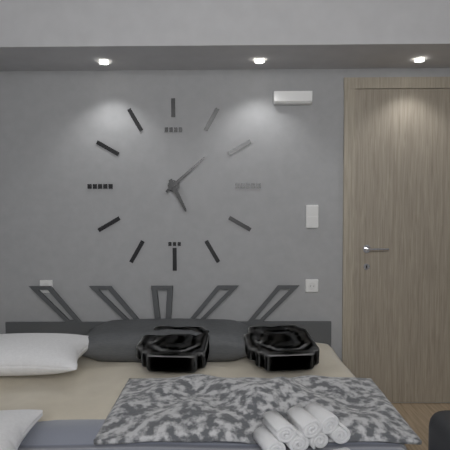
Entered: {"hour": 5, "minute": 8}
